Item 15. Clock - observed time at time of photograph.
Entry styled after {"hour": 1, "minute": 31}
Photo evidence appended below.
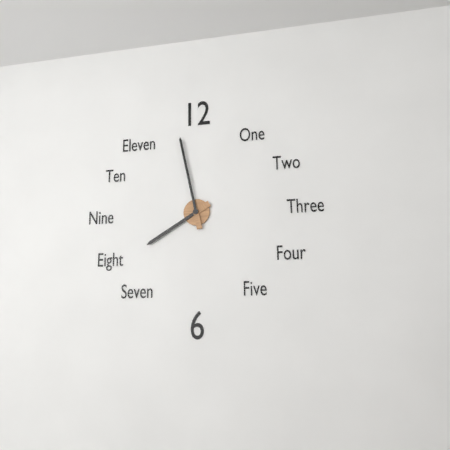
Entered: {"hour": 7, "minute": 58}
